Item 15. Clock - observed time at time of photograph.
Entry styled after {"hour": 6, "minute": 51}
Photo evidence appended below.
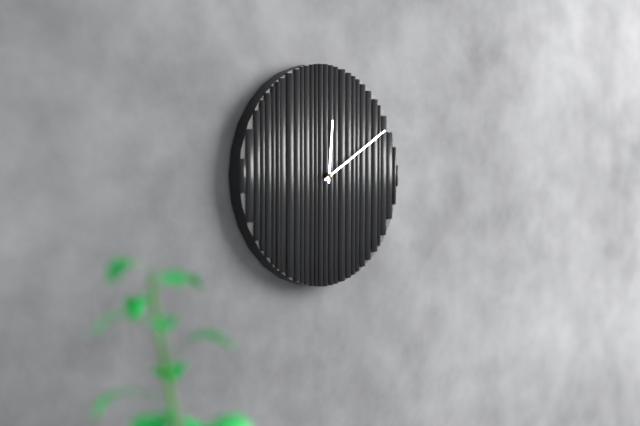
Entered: {"hour": 12, "minute": 10}
